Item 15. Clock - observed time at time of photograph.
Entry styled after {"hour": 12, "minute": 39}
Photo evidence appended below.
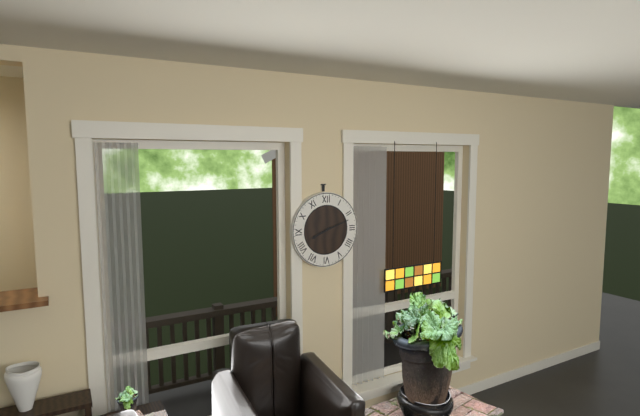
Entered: {"hour": 8, "minute": 12}
